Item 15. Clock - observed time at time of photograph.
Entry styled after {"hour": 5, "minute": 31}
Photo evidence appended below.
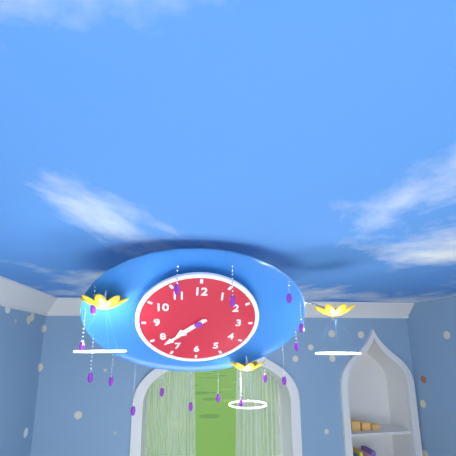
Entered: {"hour": 7, "minute": 38}
